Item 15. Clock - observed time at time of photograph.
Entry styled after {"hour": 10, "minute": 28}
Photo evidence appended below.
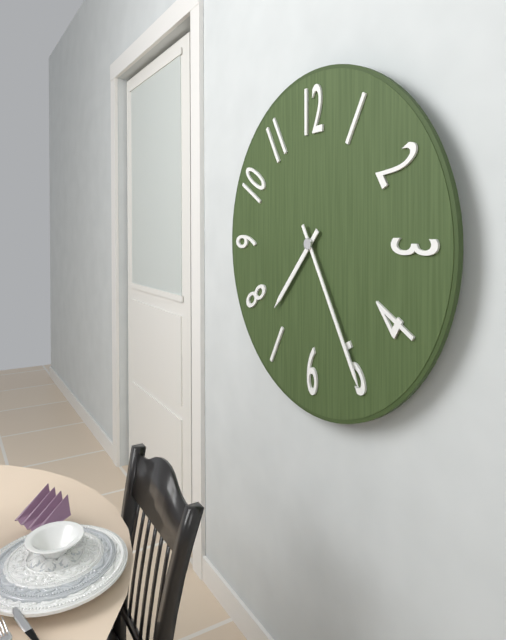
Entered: {"hour": 7, "minute": 25}
